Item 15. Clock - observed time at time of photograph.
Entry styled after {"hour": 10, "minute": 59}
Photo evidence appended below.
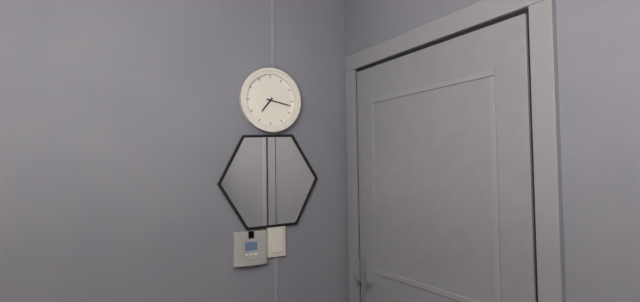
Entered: {"hour": 7, "minute": 17}
